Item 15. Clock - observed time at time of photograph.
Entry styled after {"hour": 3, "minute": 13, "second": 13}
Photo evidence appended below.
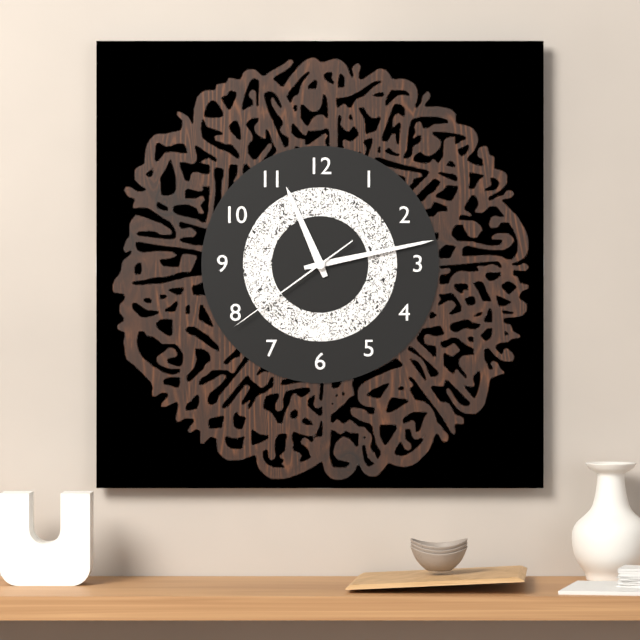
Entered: {"hour": 11, "minute": 13, "second": 39}
